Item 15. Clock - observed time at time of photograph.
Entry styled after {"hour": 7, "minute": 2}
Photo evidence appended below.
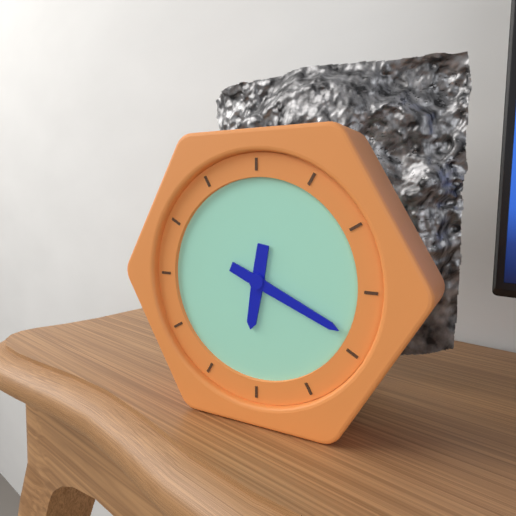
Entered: {"hour": 6, "minute": 19}
